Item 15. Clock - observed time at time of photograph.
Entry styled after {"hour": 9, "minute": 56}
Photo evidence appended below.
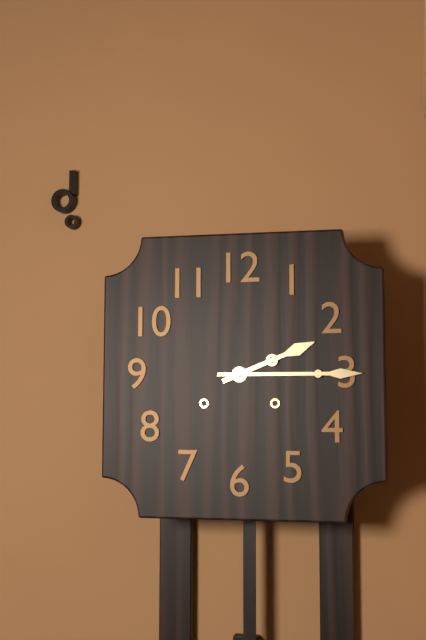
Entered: {"hour": 2, "minute": 15}
